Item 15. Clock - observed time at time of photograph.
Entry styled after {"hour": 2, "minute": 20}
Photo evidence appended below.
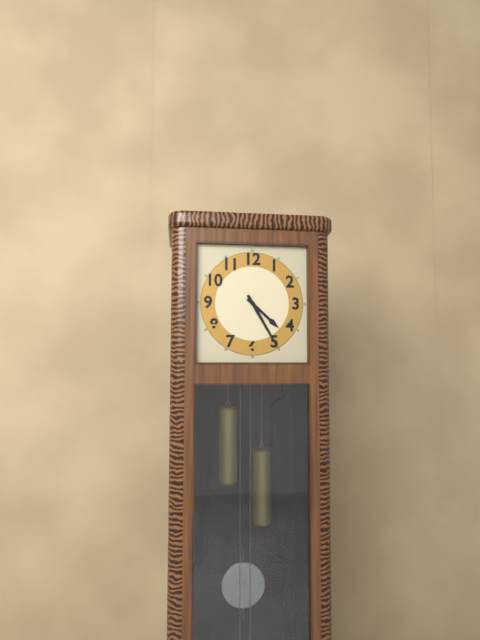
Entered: {"hour": 4, "minute": 25}
